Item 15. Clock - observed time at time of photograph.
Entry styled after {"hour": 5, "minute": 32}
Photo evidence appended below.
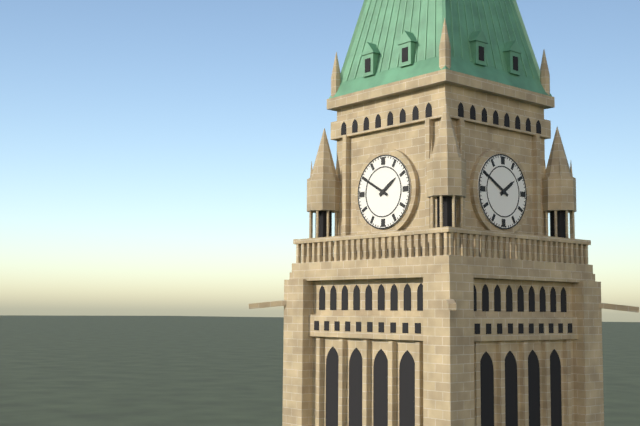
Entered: {"hour": 1, "minute": 50}
